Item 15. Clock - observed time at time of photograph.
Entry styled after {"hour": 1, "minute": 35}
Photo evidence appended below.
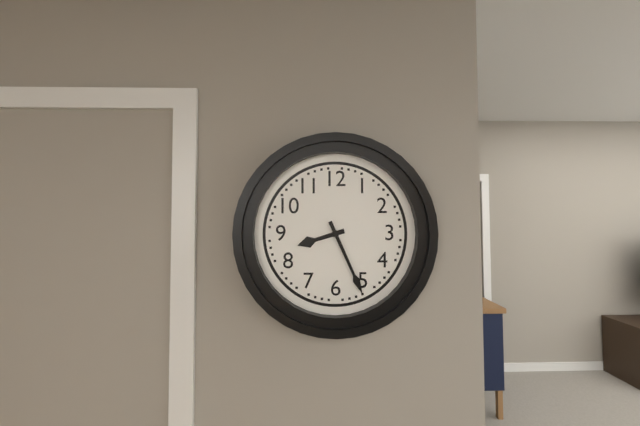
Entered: {"hour": 8, "minute": 26}
